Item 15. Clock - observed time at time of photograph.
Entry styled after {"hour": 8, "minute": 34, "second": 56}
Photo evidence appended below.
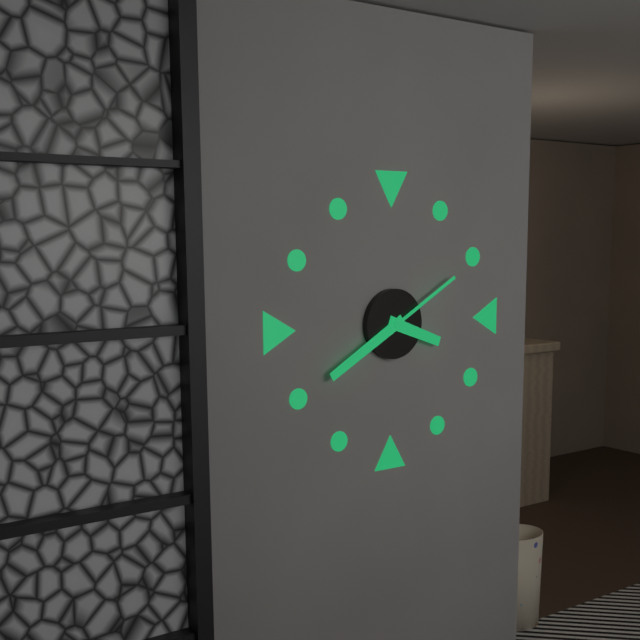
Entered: {"hour": 3, "minute": 40, "second": 10}
